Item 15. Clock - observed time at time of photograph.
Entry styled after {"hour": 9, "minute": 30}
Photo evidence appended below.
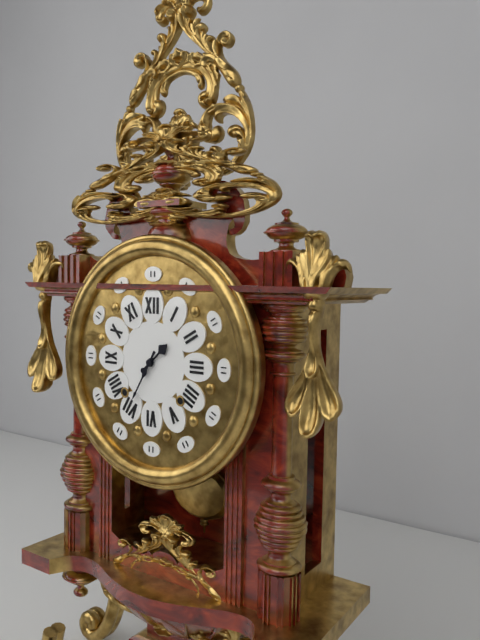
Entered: {"hour": 1, "minute": 35}
